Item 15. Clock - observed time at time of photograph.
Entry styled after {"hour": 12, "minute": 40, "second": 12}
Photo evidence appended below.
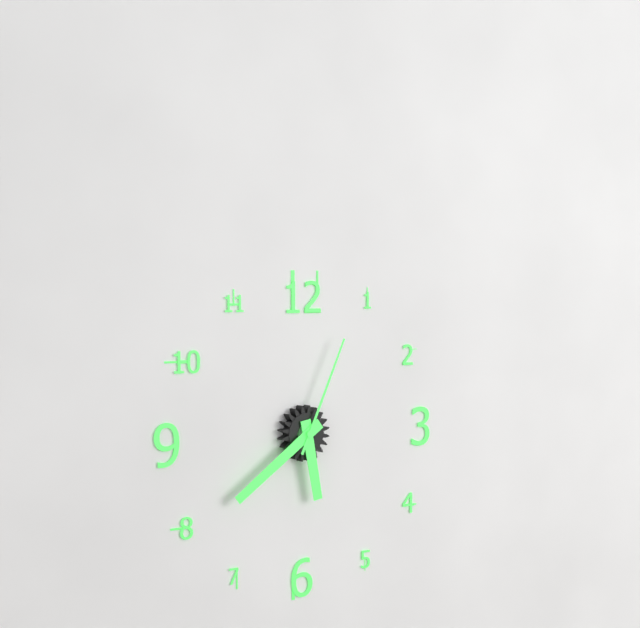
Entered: {"hour": 5, "minute": 39, "second": 4}
